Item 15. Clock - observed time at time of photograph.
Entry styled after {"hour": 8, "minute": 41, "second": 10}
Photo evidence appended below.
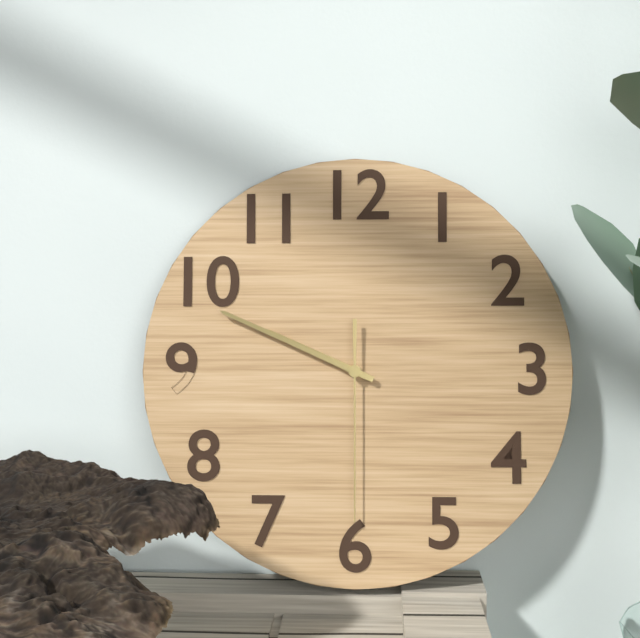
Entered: {"hour": 9, "minute": 49, "second": 30}
